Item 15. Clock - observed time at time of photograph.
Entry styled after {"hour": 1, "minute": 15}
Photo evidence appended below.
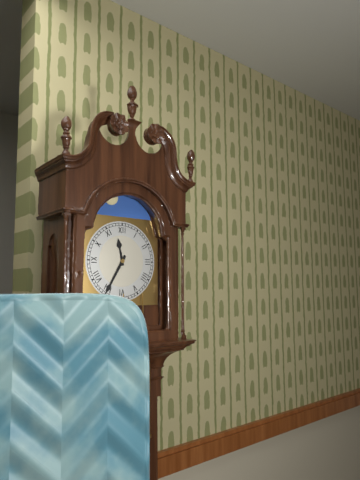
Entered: {"hour": 11, "minute": 35}
